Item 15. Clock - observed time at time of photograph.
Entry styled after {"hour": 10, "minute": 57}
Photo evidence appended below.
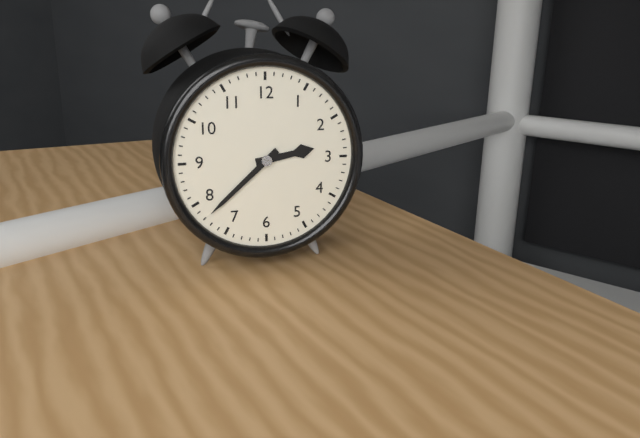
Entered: {"hour": 2, "minute": 38}
